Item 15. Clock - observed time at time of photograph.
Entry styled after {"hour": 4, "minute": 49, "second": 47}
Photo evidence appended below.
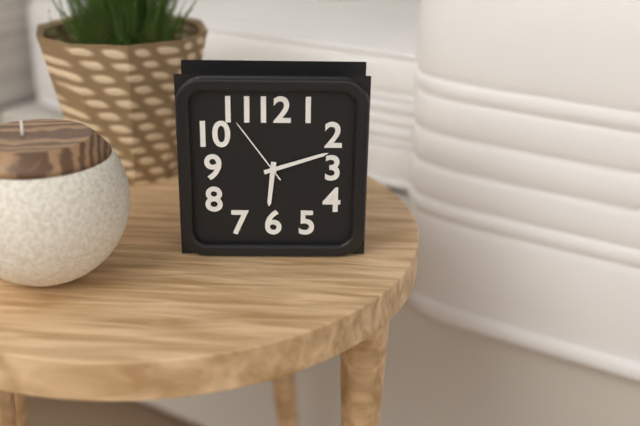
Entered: {"hour": 6, "minute": 12, "second": 54}
